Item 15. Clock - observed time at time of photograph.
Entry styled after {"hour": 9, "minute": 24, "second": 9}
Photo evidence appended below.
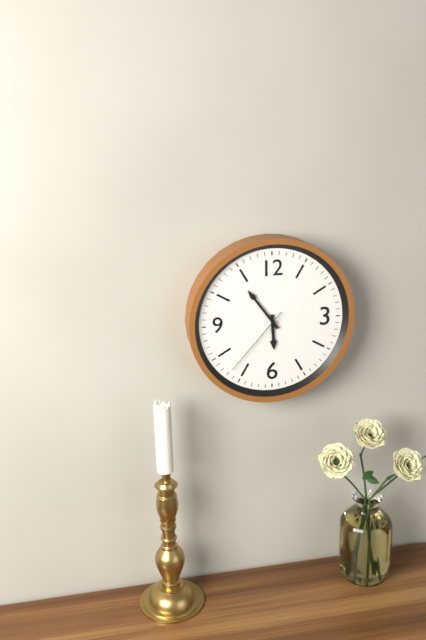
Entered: {"hour": 5, "minute": 54, "second": 37}
